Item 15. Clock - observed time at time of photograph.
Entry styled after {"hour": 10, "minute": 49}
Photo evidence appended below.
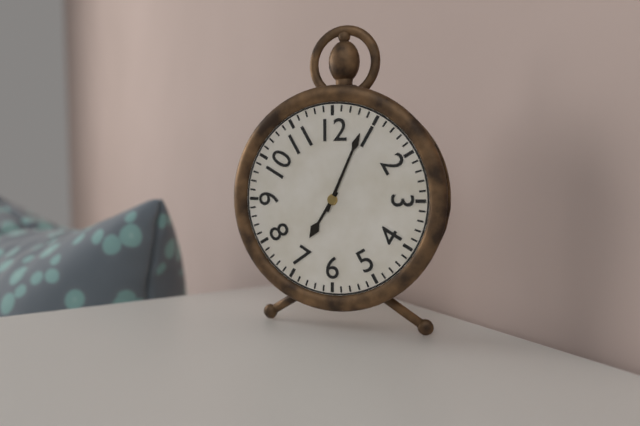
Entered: {"hour": 7, "minute": 4}
